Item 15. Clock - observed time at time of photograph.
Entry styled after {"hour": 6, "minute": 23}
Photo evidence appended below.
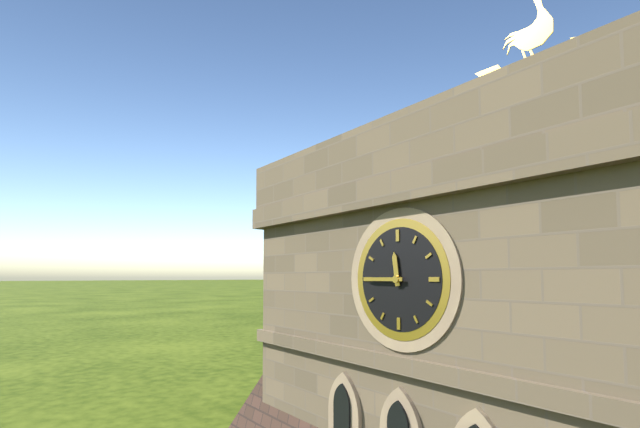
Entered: {"hour": 11, "minute": 45}
